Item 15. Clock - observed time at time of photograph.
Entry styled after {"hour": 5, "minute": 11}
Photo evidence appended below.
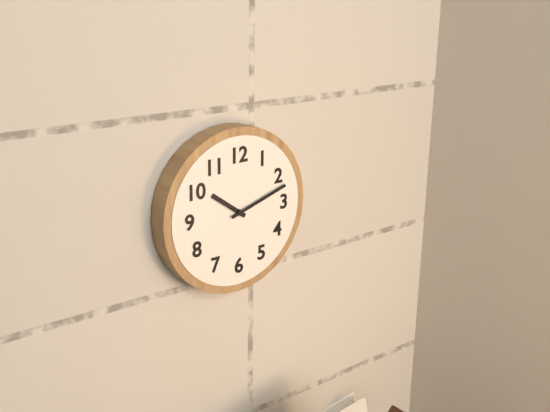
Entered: {"hour": 10, "minute": 12}
